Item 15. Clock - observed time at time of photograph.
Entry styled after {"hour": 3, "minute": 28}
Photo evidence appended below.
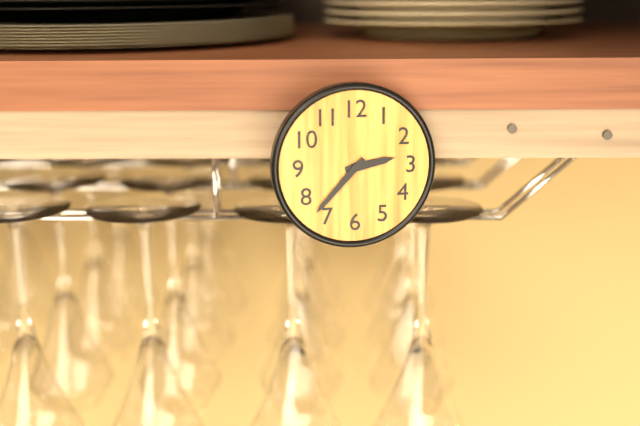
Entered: {"hour": 2, "minute": 37}
